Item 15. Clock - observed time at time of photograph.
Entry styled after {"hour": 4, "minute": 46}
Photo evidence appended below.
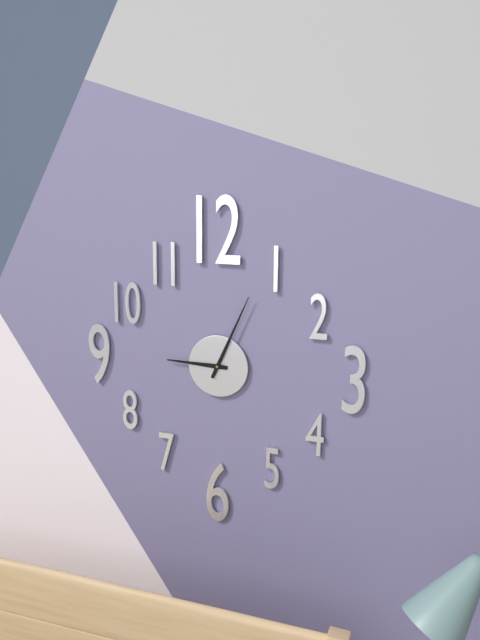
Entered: {"hour": 9, "minute": 4}
